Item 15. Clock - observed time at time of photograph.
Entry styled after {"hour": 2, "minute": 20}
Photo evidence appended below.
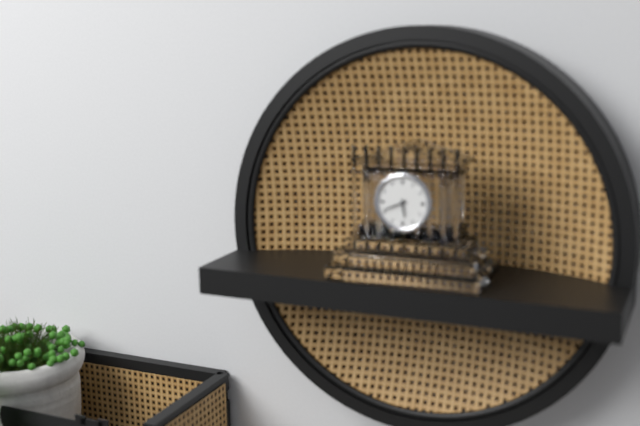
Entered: {"hour": 5, "minute": 41}
